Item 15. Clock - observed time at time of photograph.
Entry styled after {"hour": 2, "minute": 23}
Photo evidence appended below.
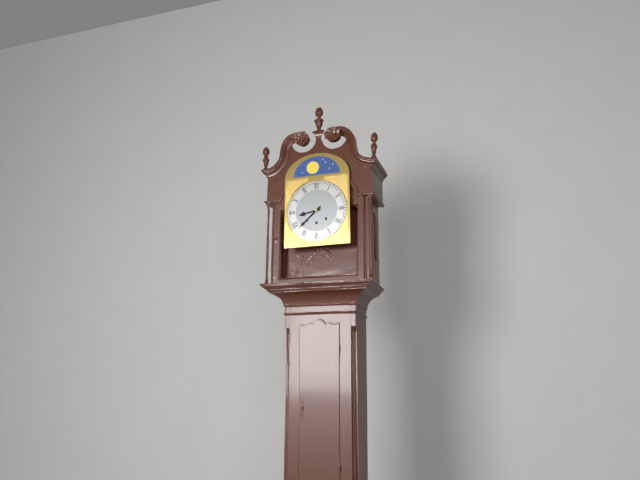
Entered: {"hour": 8, "minute": 38}
